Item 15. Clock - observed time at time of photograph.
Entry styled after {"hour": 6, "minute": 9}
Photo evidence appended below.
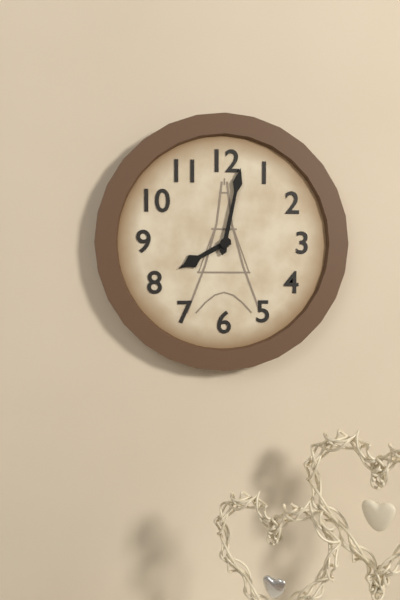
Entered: {"hour": 8, "minute": 2}
